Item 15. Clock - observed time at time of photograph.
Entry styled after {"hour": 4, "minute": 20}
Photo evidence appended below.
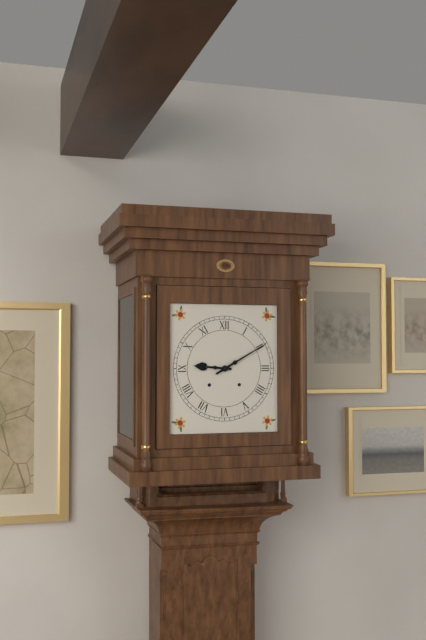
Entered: {"hour": 9, "minute": 10}
